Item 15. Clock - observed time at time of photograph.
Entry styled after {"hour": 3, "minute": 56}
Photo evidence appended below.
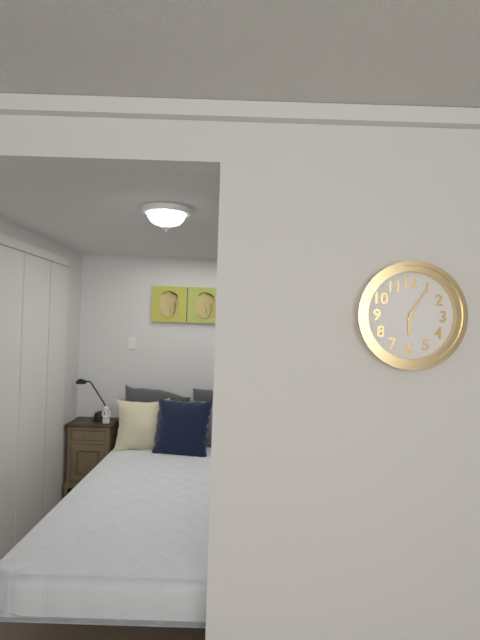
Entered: {"hour": 6, "minute": 5}
